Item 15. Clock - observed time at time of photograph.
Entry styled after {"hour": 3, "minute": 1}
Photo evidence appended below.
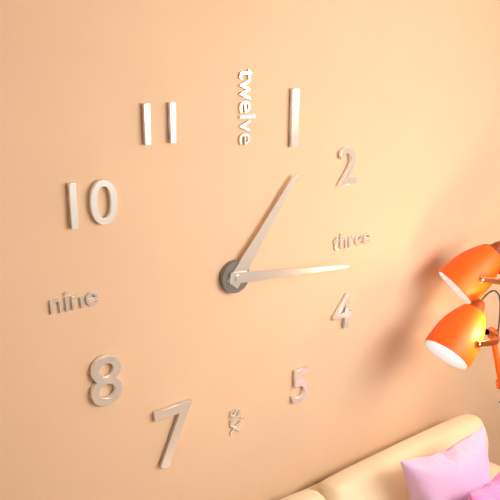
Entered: {"hour": 1, "minute": 16}
